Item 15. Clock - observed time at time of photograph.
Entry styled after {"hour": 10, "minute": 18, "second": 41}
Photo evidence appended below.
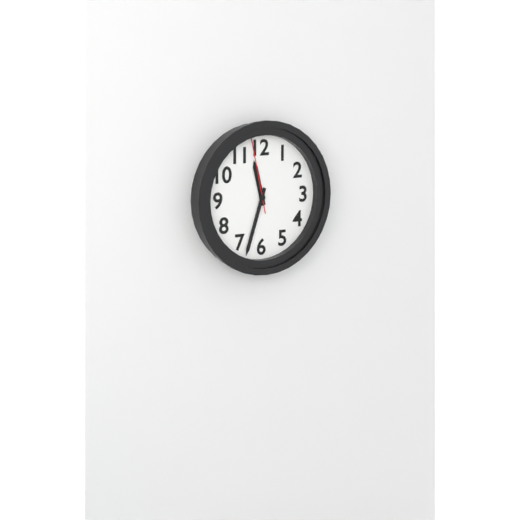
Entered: {"hour": 11, "minute": 33, "second": 58}
